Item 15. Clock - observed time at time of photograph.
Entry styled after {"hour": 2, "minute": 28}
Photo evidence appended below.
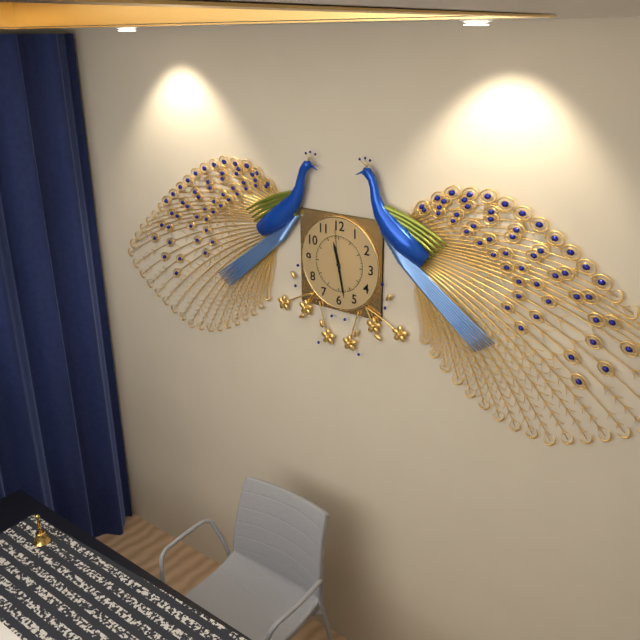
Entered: {"hour": 11, "minute": 28}
